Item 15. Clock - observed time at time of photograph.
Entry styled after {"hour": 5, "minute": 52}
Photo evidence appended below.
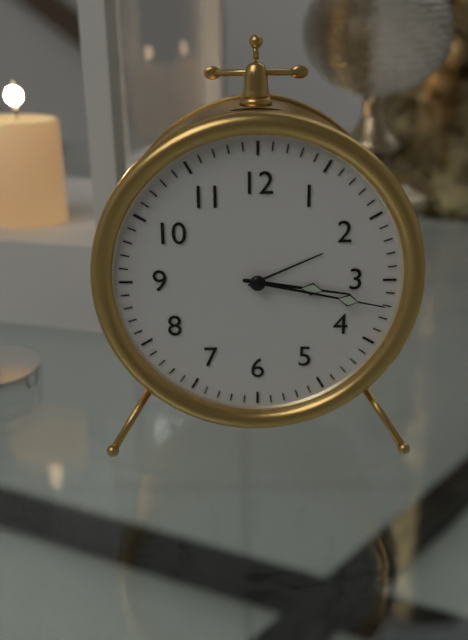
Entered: {"hour": 3, "minute": 17}
